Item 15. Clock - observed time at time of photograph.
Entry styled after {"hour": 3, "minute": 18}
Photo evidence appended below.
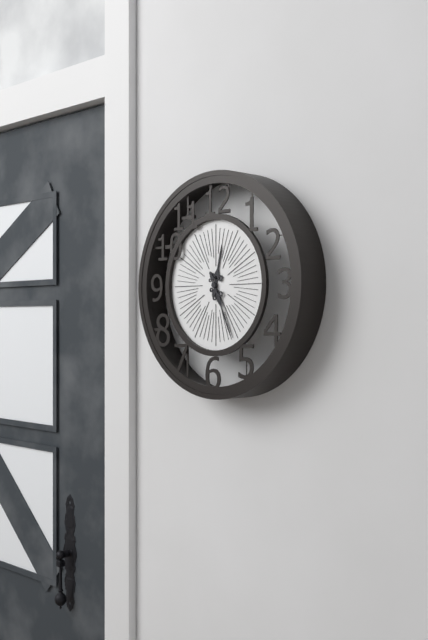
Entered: {"hour": 12, "minute": 26}
